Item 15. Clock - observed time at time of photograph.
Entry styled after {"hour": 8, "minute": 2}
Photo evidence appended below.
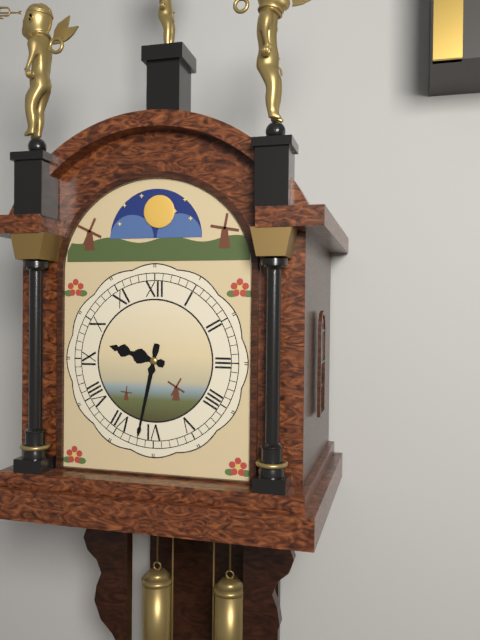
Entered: {"hour": 9, "minute": 32}
